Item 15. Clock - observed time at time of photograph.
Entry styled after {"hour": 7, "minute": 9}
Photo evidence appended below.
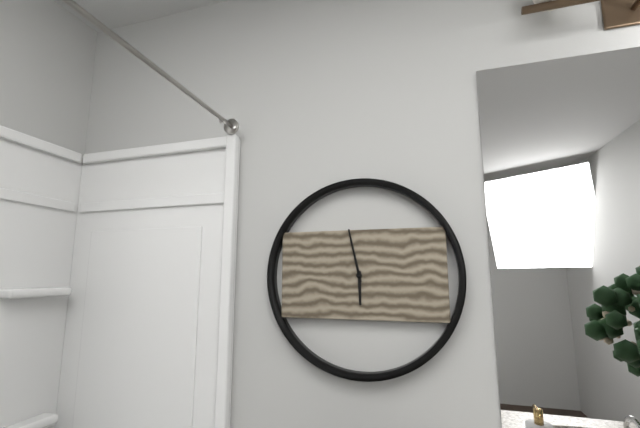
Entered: {"hour": 5, "minute": 58}
